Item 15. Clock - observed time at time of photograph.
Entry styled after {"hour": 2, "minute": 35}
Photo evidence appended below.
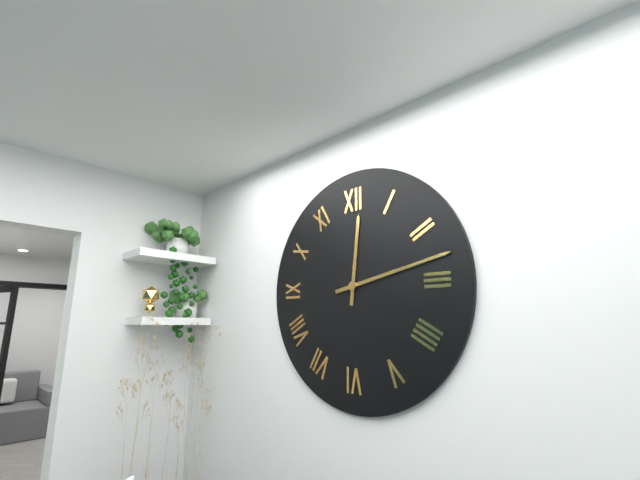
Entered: {"hour": 12, "minute": 13}
